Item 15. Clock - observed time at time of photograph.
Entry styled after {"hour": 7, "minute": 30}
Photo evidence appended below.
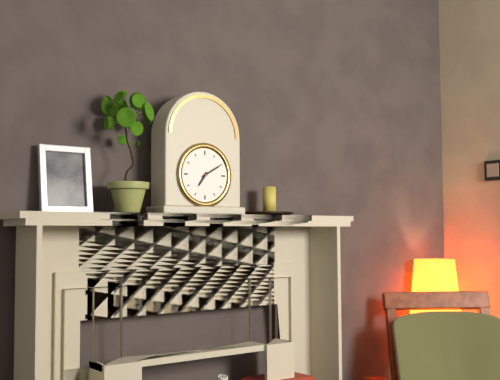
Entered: {"hour": 7, "minute": 10}
